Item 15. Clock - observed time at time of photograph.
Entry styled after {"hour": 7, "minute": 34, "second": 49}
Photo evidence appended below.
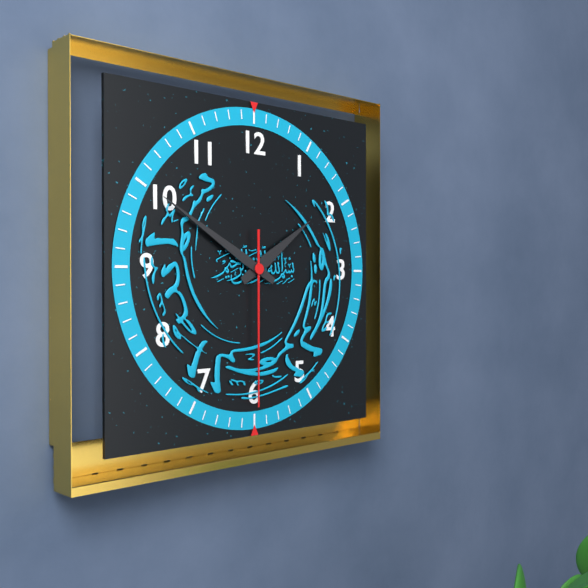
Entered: {"hour": 1, "minute": 50, "second": 30}
